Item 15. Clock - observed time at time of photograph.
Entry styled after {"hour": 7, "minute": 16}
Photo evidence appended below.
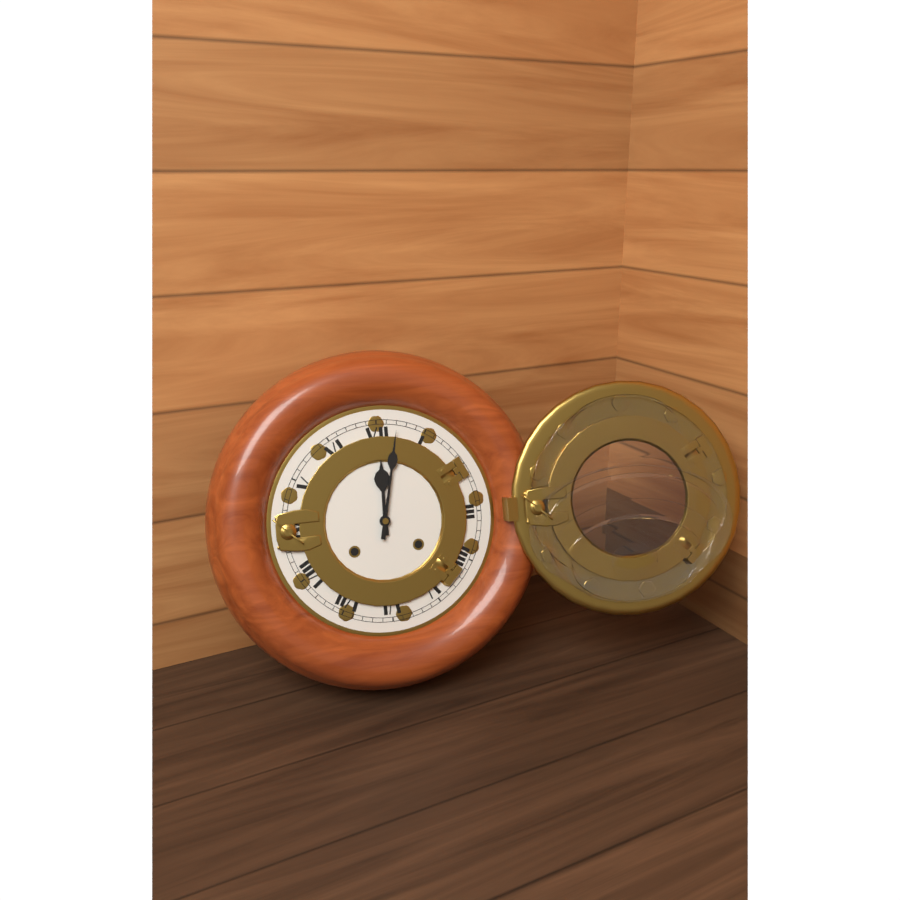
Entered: {"hour": 12, "minute": 2}
